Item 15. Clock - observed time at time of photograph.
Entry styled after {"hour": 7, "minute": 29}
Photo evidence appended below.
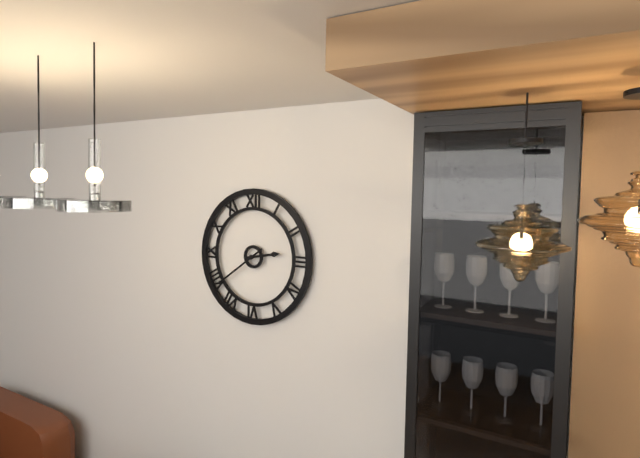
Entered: {"hour": 2, "minute": 39}
